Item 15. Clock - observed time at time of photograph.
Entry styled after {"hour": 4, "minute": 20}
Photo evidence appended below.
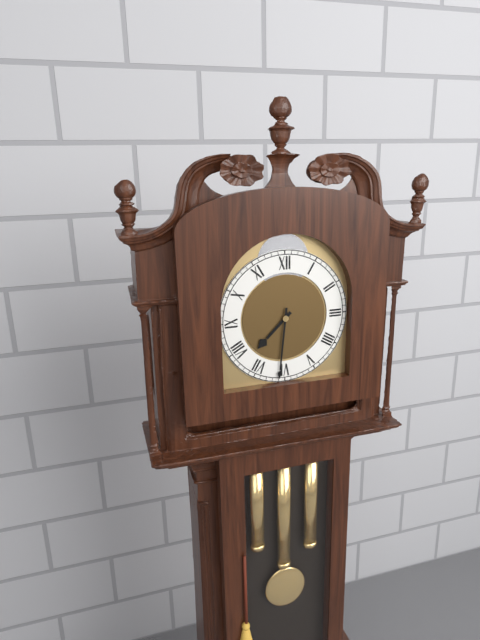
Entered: {"hour": 7, "minute": 31}
